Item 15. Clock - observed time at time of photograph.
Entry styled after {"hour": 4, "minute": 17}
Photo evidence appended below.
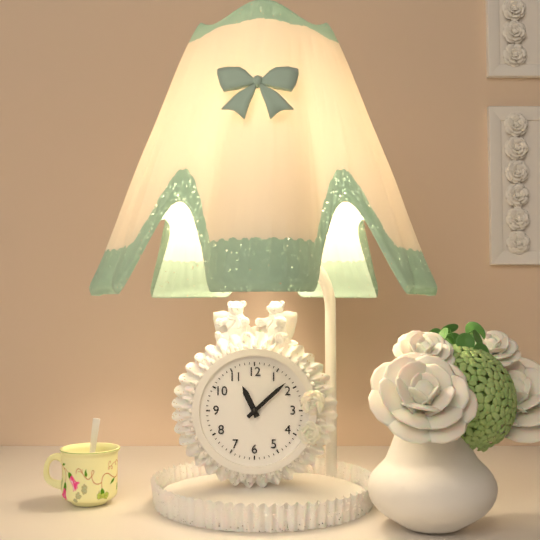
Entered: {"hour": 11, "minute": 8}
